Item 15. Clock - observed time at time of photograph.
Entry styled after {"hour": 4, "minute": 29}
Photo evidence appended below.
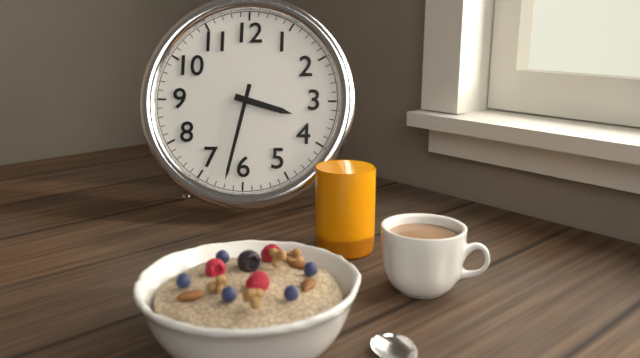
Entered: {"hour": 3, "minute": 32}
